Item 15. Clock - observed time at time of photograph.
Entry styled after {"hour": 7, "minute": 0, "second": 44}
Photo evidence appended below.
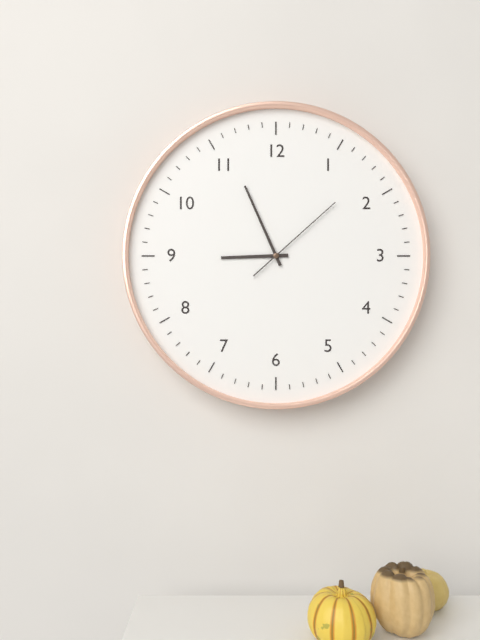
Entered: {"hour": 8, "minute": 56, "second": 8}
